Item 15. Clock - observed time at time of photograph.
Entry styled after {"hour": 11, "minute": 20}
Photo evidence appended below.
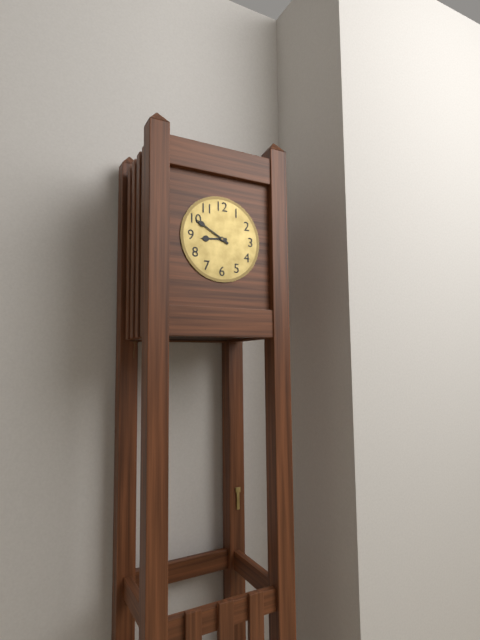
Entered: {"hour": 8, "minute": 50}
